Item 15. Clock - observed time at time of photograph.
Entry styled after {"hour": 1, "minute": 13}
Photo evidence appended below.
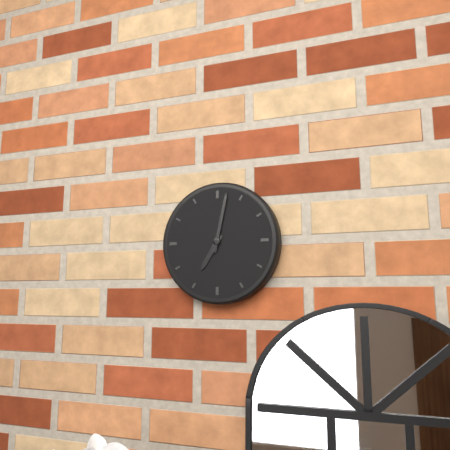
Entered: {"hour": 7, "minute": 2}
